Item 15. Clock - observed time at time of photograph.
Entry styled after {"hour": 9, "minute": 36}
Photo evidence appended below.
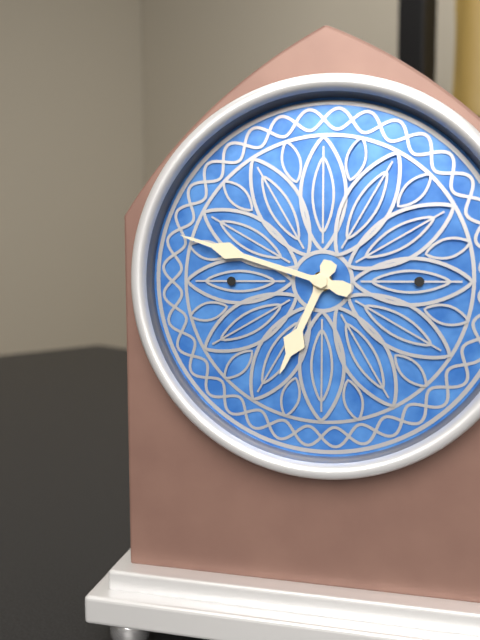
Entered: {"hour": 6, "minute": 48}
